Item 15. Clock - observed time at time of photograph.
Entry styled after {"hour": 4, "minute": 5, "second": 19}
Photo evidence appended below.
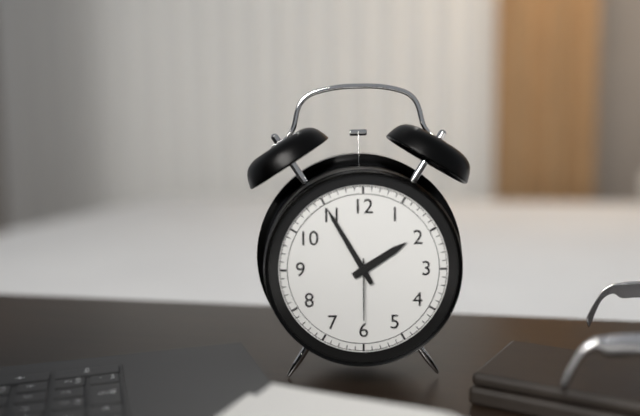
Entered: {"hour": 1, "minute": 55, "second": 30}
